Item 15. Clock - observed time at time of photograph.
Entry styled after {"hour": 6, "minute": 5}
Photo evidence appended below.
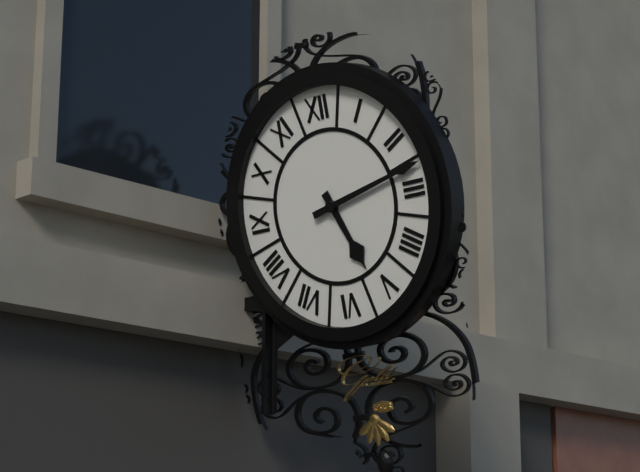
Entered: {"hour": 5, "minute": 13}
